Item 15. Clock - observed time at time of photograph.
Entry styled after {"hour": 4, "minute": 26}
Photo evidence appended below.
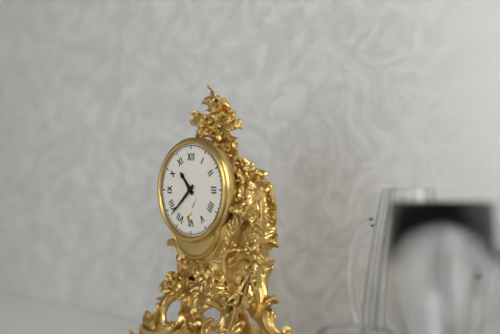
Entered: {"hour": 10, "minute": 38}
